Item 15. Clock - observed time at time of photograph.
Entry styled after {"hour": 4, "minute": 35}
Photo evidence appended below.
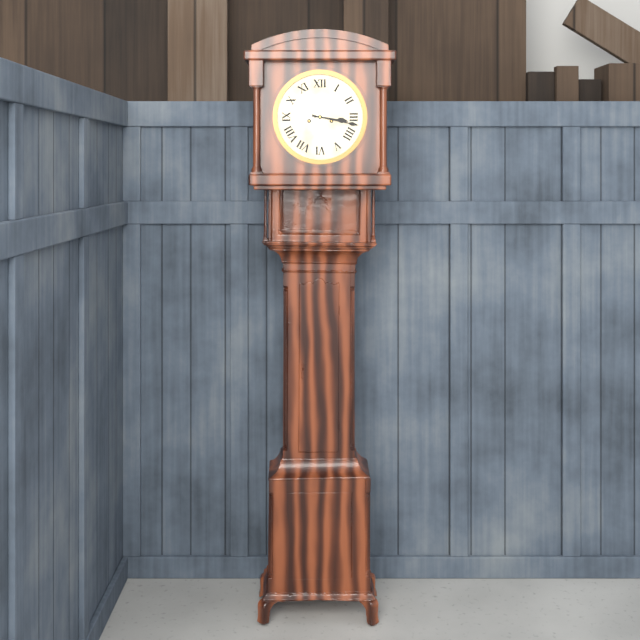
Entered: {"hour": 3, "minute": 17}
